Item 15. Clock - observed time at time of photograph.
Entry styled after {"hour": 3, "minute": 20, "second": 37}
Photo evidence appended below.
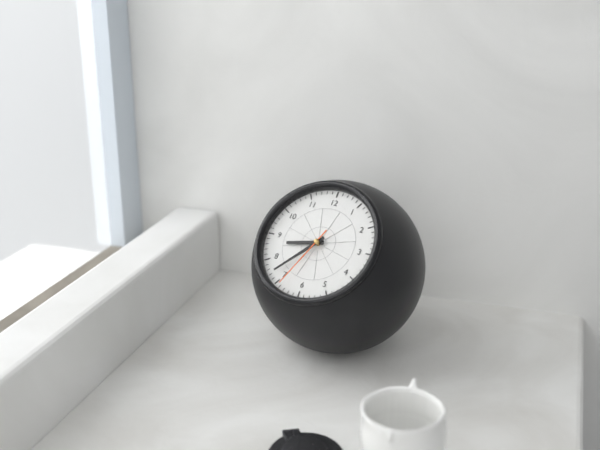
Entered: {"hour": 8, "minute": 37, "second": 34}
